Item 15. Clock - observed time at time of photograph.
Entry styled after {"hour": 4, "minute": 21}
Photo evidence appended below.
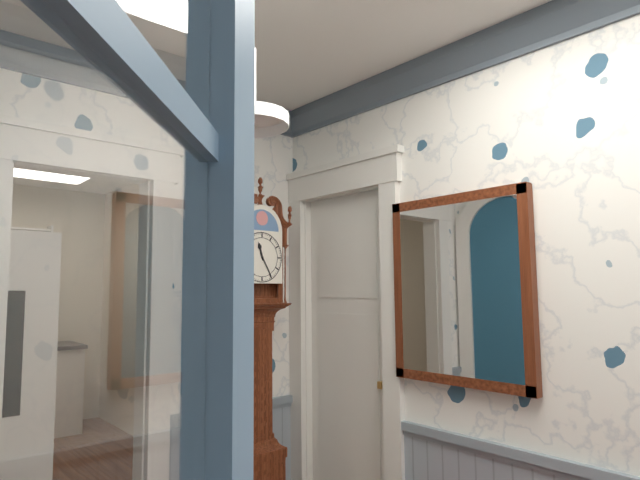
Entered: {"hour": 11, "minute": 25}
